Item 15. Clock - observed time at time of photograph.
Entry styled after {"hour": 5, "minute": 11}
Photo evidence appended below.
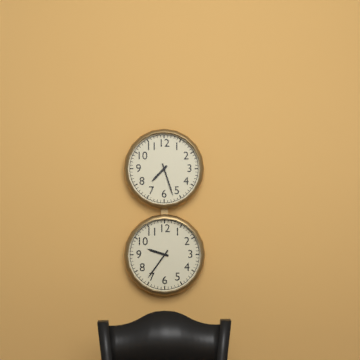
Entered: {"hour": 7, "minute": 27}
